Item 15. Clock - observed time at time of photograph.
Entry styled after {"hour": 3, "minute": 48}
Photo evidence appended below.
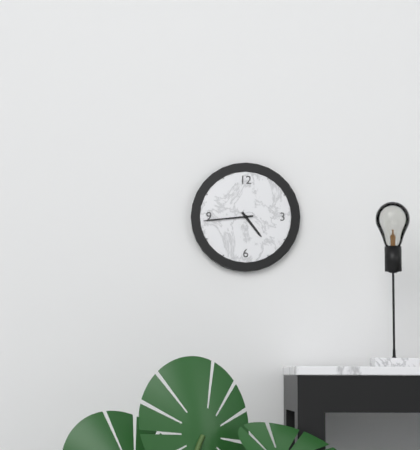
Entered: {"hour": 4, "minute": 44}
